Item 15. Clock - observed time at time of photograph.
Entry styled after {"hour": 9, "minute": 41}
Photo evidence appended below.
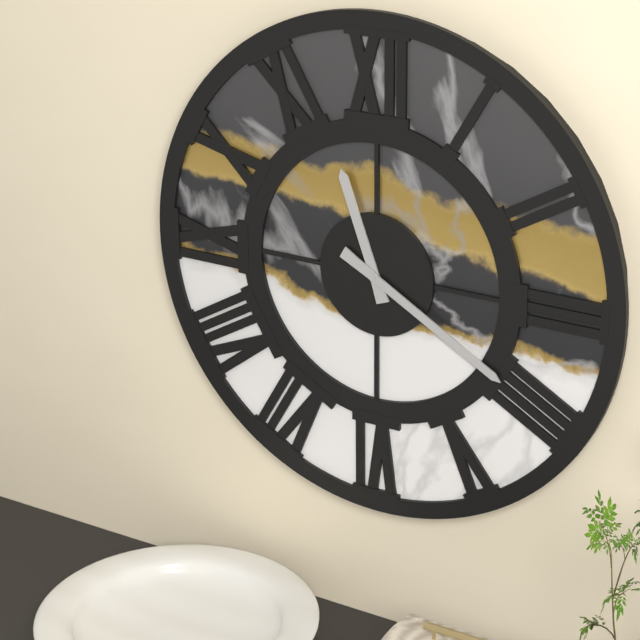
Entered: {"hour": 11, "minute": 20}
